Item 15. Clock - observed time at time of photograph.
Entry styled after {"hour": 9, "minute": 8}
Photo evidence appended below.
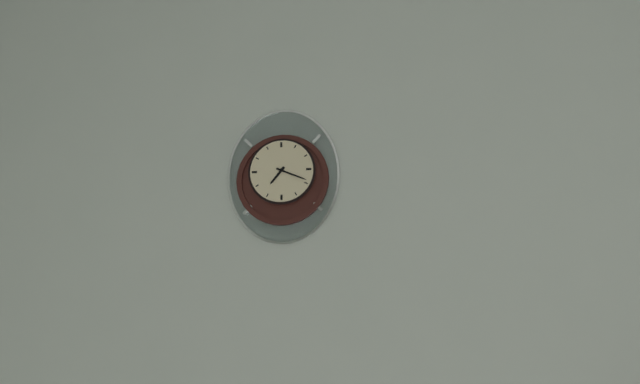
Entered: {"hour": 7, "minute": 19}
